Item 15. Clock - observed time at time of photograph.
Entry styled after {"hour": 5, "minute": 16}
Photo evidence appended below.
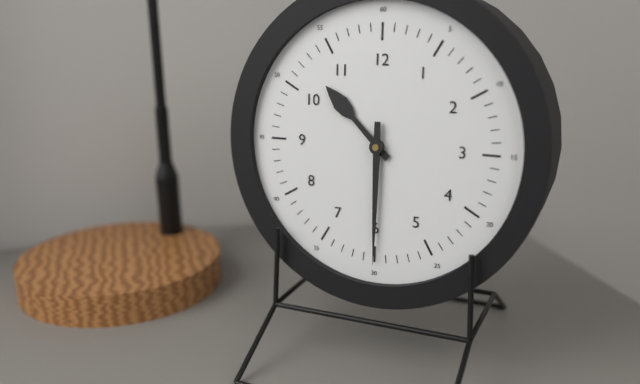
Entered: {"hour": 10, "minute": 30}
